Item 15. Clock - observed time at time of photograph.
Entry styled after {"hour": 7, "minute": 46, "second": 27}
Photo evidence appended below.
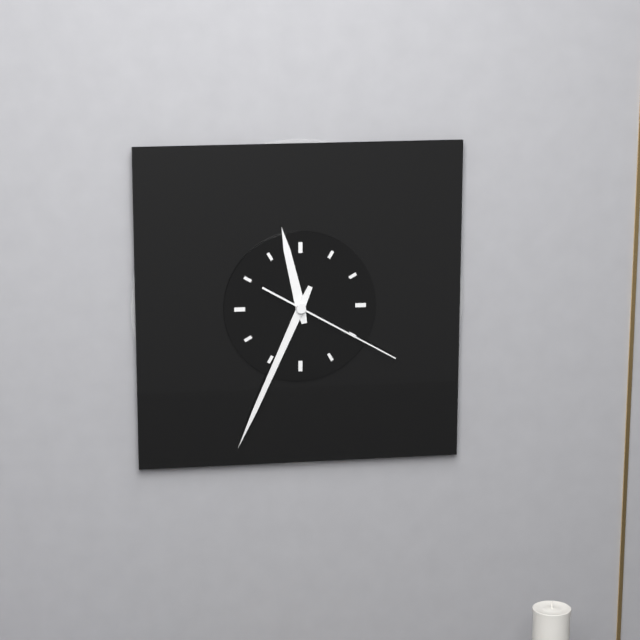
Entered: {"hour": 11, "minute": 34, "second": 20}
